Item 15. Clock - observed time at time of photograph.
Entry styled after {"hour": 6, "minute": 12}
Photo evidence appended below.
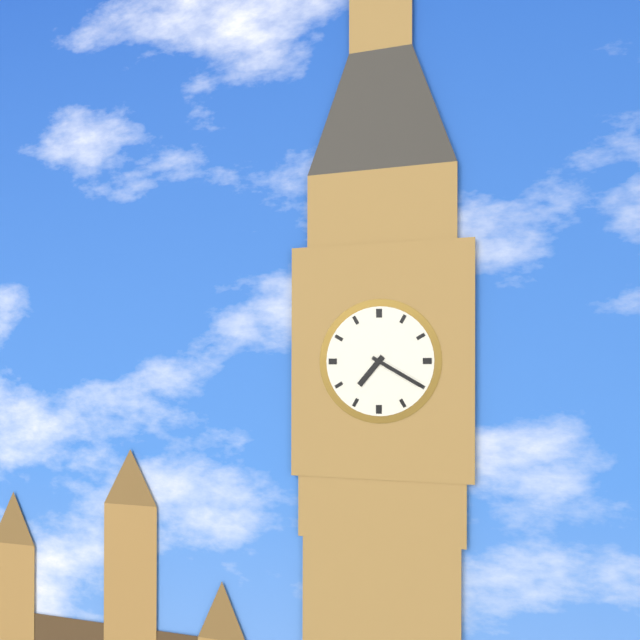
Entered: {"hour": 7, "minute": 20}
